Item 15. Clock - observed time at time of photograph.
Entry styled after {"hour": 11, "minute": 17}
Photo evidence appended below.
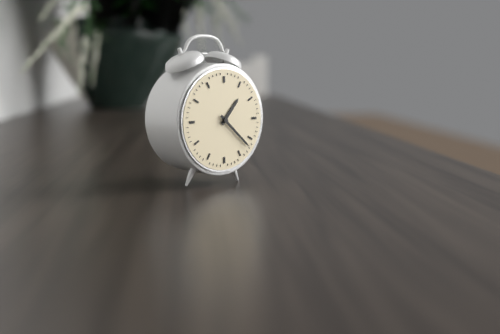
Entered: {"hour": 1, "minute": 22}
